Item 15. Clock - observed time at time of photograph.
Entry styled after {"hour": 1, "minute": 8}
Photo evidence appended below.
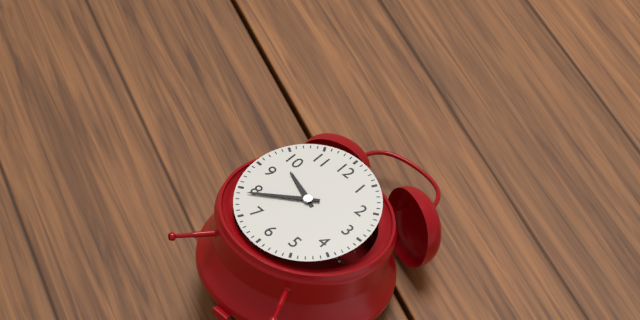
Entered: {"hour": 9, "minute": 39}
